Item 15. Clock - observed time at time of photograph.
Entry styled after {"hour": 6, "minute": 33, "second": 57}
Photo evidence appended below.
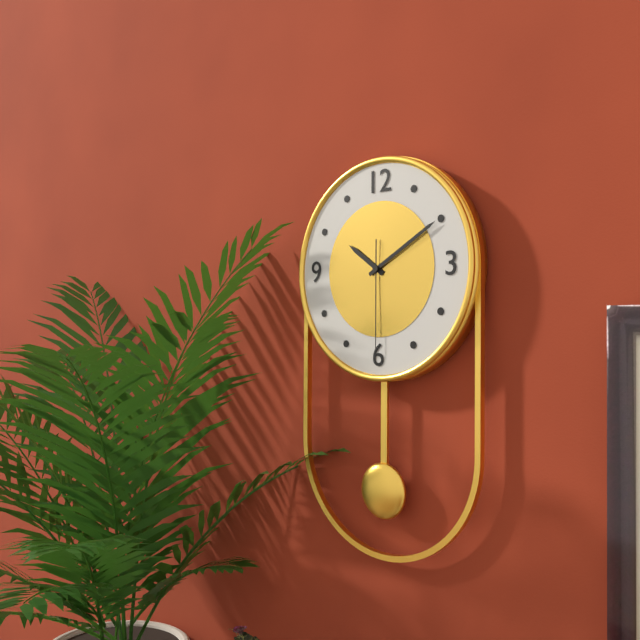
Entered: {"hour": 10, "minute": 10, "second": 30}
